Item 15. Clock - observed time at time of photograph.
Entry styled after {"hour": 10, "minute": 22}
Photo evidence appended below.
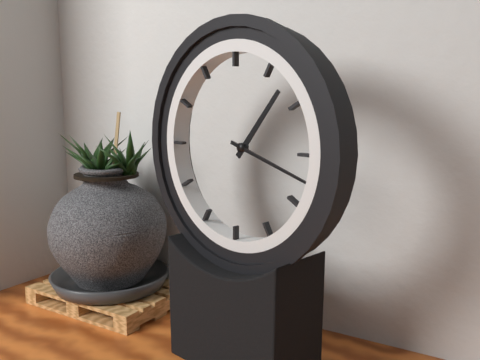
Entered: {"hour": 1, "minute": 18}
